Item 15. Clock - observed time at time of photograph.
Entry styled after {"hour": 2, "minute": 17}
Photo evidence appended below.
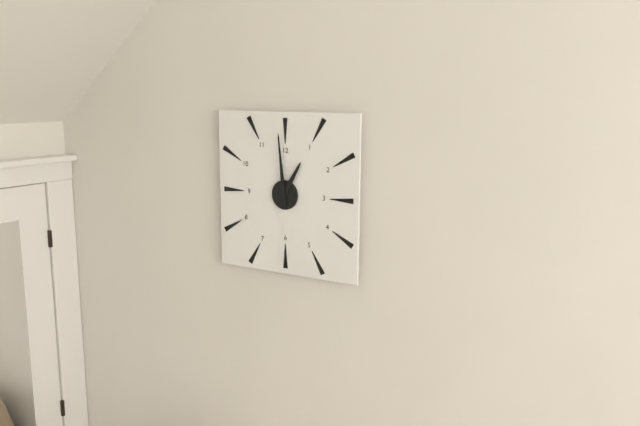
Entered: {"hour": 12, "minute": 59}
